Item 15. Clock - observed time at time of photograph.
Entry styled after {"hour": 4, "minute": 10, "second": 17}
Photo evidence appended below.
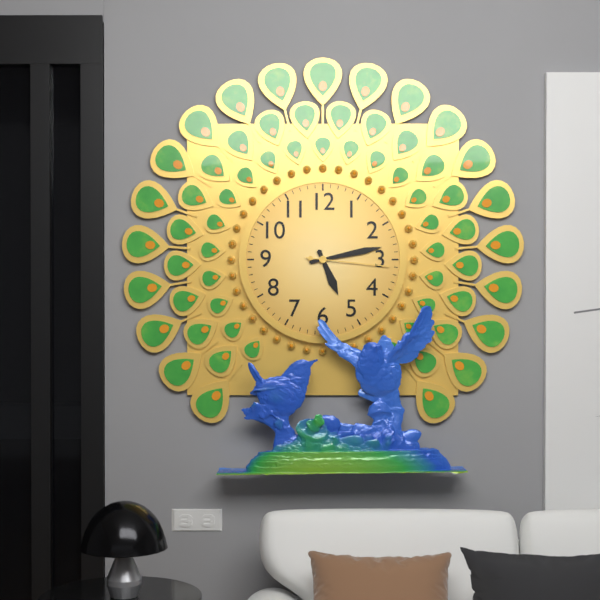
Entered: {"hour": 5, "minute": 13, "second": 16}
